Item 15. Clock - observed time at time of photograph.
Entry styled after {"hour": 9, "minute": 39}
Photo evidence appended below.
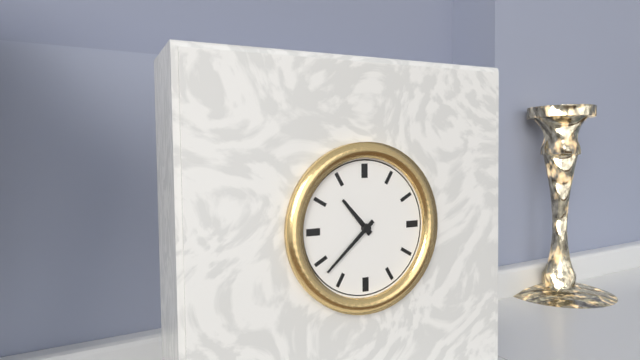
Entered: {"hour": 10, "minute": 38}
